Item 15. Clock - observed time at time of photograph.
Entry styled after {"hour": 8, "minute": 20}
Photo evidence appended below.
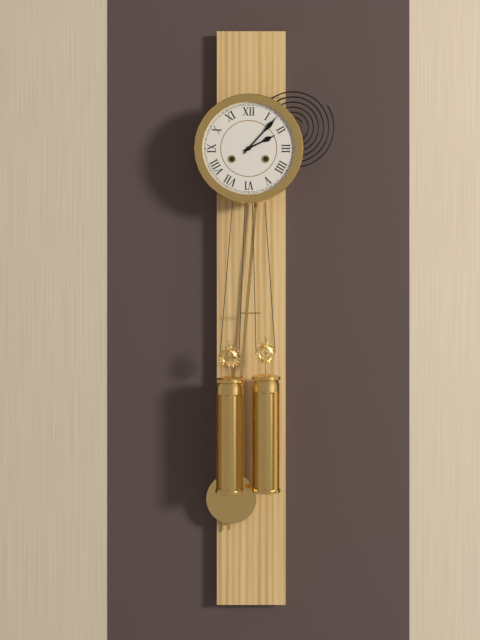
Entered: {"hour": 2, "minute": 7}
